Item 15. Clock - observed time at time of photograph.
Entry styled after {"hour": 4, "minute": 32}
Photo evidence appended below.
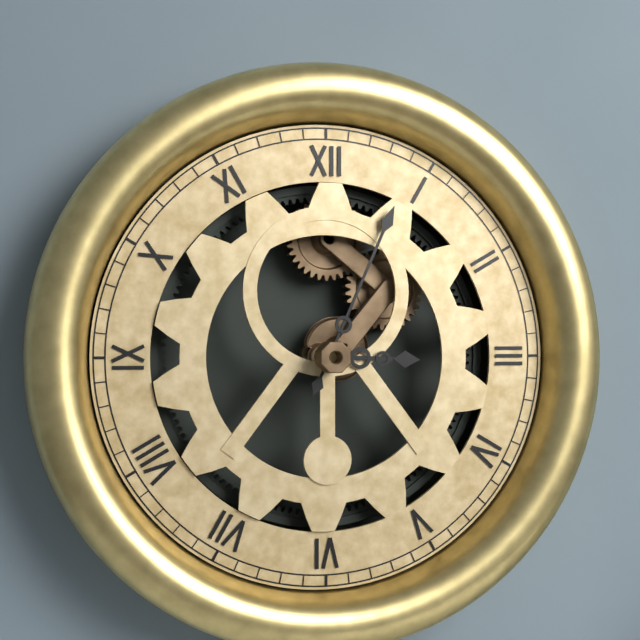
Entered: {"hour": 3, "minute": 4}
